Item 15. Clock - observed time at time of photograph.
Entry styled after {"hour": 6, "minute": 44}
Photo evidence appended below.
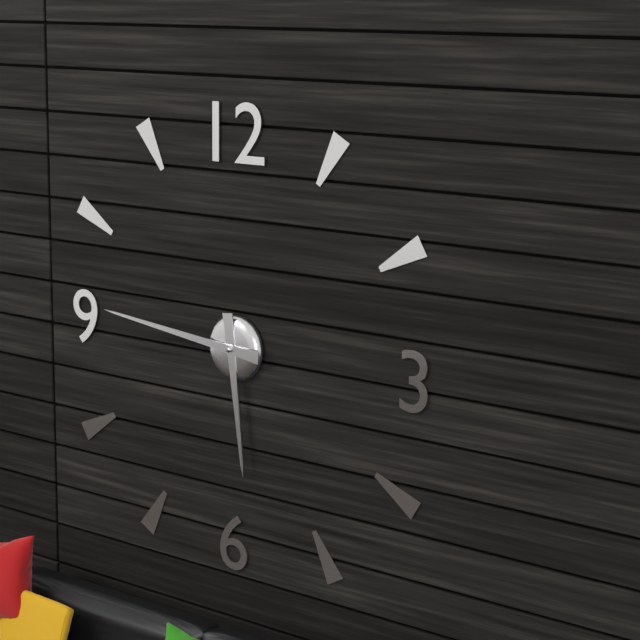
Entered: {"hour": 5, "minute": 46}
